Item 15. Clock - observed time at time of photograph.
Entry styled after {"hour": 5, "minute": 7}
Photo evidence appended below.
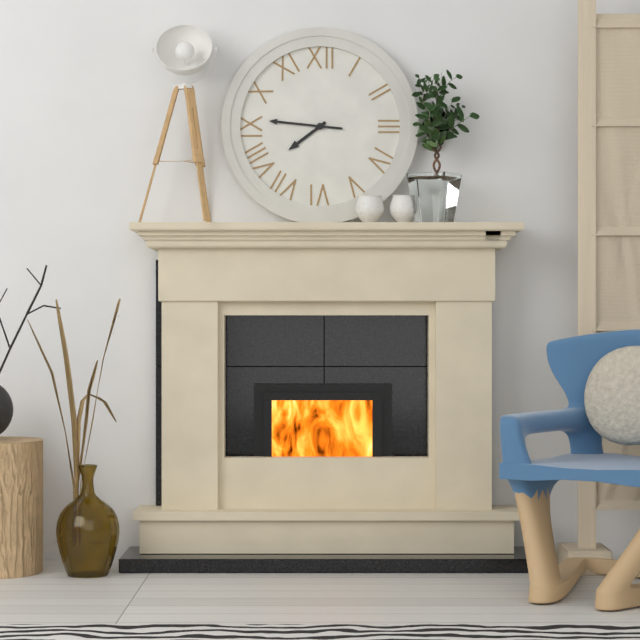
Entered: {"hour": 7, "minute": 46}
